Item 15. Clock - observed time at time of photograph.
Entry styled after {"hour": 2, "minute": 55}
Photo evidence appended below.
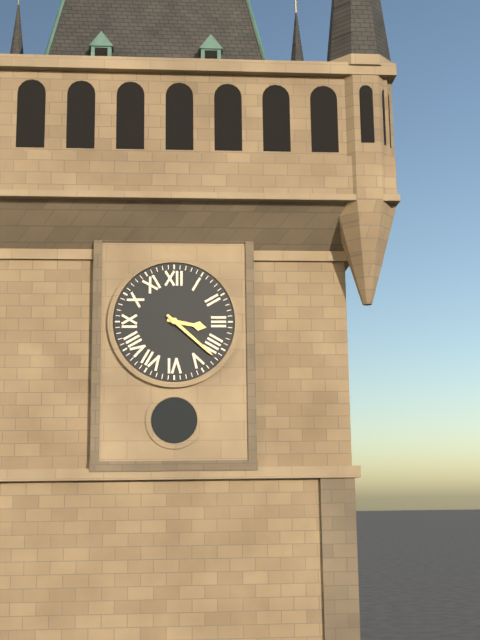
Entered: {"hour": 3, "minute": 22}
